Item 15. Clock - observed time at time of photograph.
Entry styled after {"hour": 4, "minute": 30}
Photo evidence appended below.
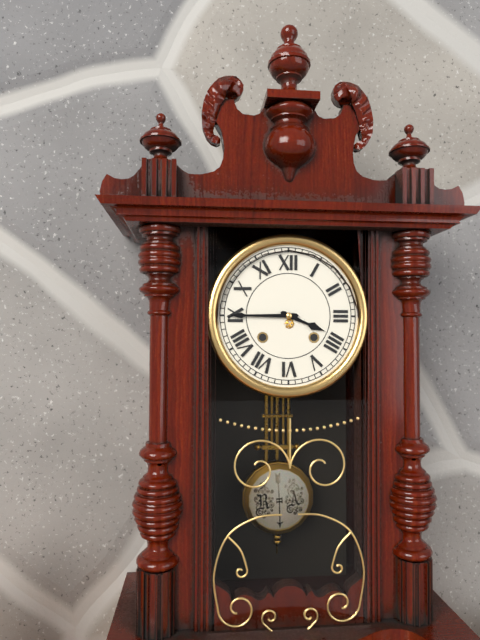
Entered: {"hour": 3, "minute": 45}
